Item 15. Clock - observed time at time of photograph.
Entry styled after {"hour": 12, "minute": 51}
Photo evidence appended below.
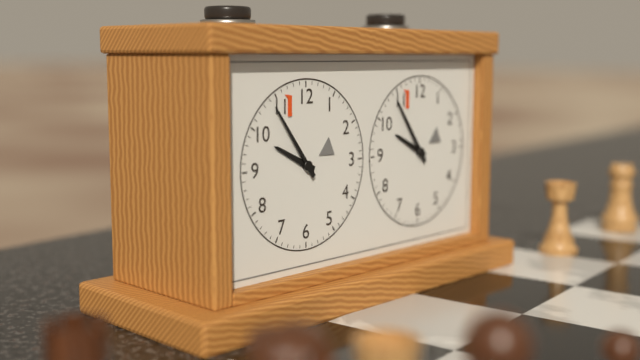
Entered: {"hour": 9, "minute": 54}
